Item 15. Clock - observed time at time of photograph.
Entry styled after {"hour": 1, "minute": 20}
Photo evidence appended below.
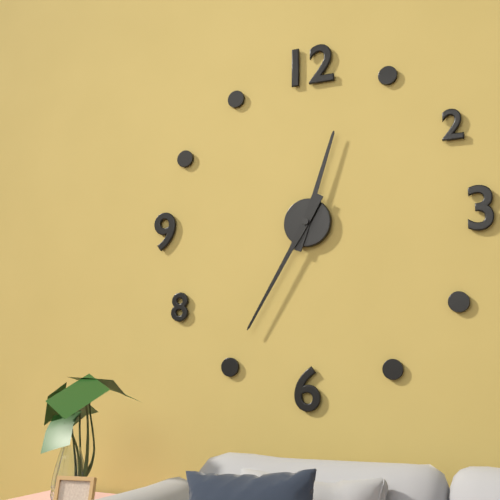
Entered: {"hour": 12, "minute": 35}
